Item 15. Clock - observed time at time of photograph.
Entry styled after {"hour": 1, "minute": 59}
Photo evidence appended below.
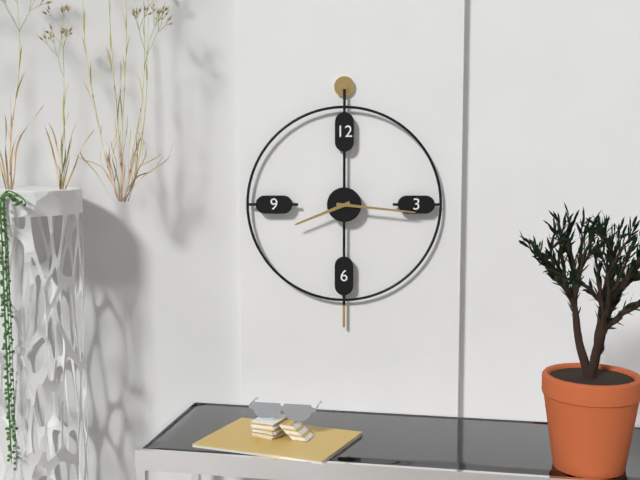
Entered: {"hour": 8, "minute": 16}
